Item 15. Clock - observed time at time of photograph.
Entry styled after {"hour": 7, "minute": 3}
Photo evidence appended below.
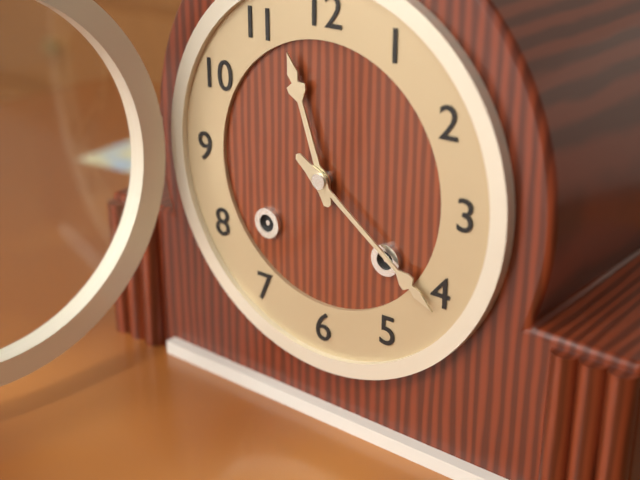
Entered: {"hour": 11, "minute": 21}
